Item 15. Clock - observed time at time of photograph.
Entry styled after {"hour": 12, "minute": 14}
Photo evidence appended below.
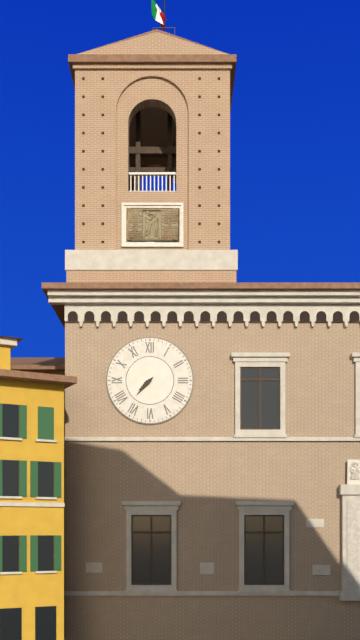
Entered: {"hour": 7, "minute": 37}
